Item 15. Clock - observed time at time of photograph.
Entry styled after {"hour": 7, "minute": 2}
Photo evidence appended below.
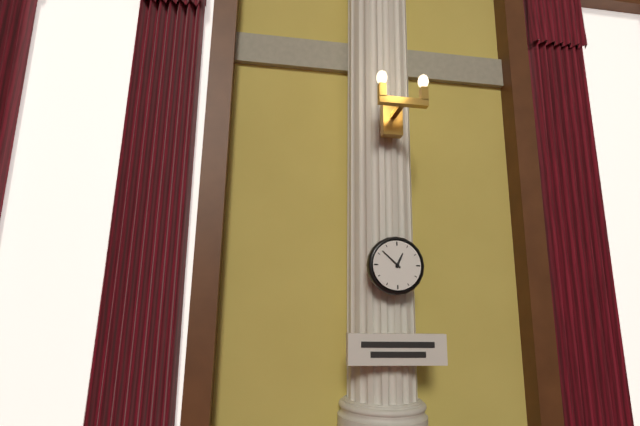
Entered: {"hour": 12, "minute": 52}
